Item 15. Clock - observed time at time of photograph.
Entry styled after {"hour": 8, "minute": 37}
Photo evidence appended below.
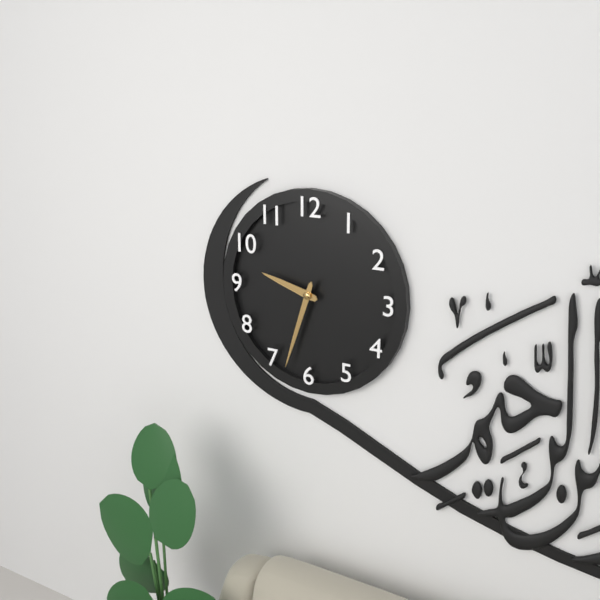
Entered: {"hour": 9, "minute": 33}
